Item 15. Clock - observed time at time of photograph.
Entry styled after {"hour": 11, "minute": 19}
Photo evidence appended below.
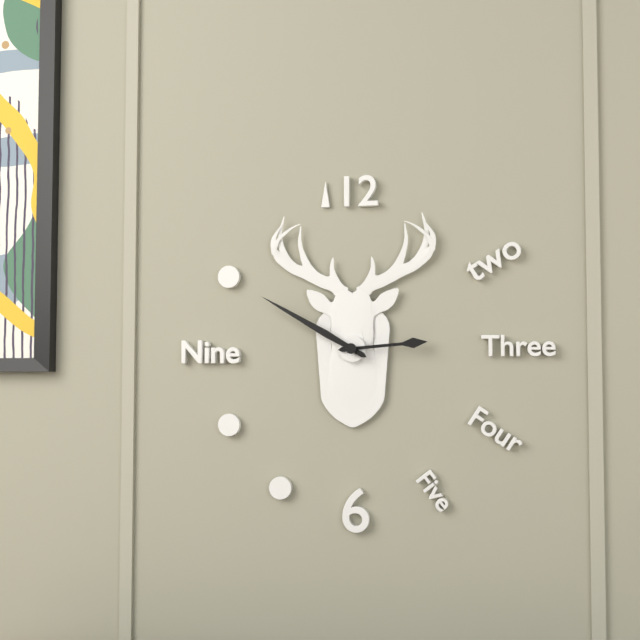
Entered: {"hour": 2, "minute": 50}
